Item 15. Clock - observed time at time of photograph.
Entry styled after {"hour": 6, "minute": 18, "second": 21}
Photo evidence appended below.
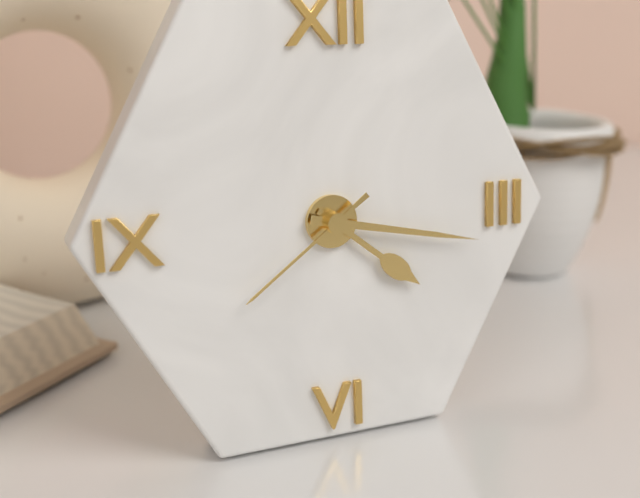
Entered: {"hour": 4, "minute": 17, "second": 39}
